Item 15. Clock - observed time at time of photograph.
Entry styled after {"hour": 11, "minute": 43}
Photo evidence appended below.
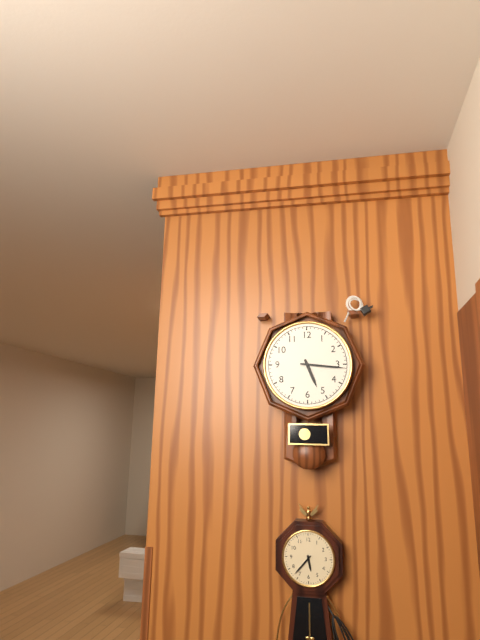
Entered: {"hour": 5, "minute": 16}
